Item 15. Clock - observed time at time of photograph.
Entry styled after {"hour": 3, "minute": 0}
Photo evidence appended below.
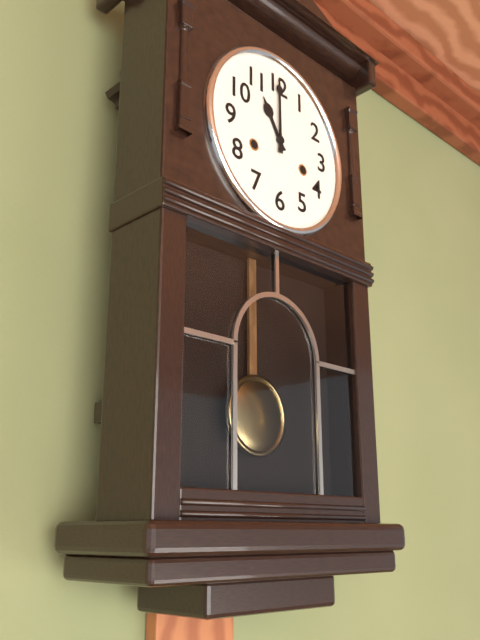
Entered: {"hour": 11, "minute": 0}
